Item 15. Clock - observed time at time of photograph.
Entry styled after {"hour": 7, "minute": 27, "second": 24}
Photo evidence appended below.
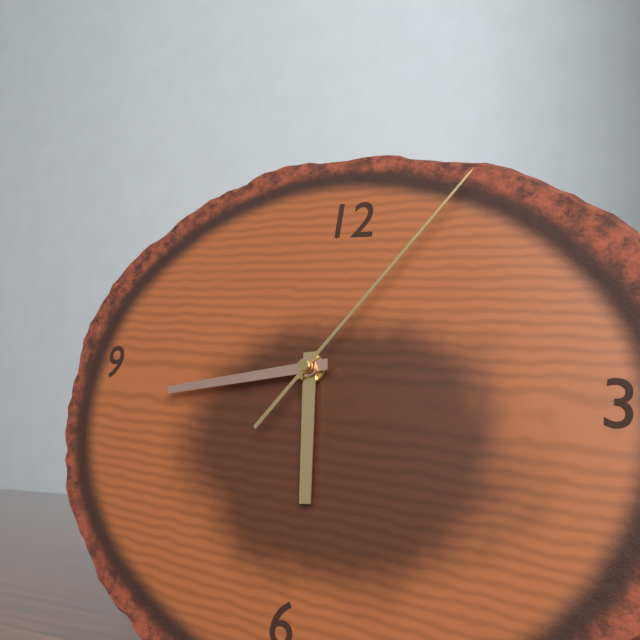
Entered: {"hour": 5, "minute": 43, "second": 6}
